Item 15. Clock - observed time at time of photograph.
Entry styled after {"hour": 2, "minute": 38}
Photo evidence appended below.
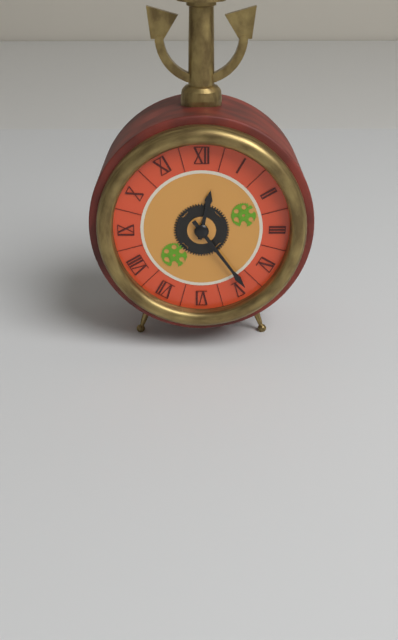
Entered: {"hour": 12, "minute": 24}
